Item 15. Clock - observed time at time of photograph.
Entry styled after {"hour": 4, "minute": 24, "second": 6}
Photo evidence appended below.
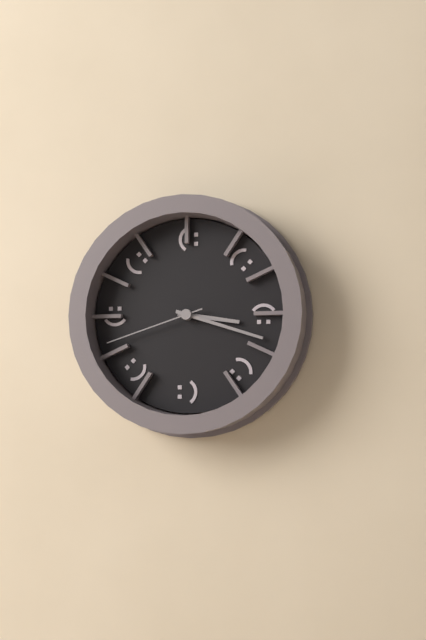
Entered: {"hour": 3, "minute": 18, "second": 42}
